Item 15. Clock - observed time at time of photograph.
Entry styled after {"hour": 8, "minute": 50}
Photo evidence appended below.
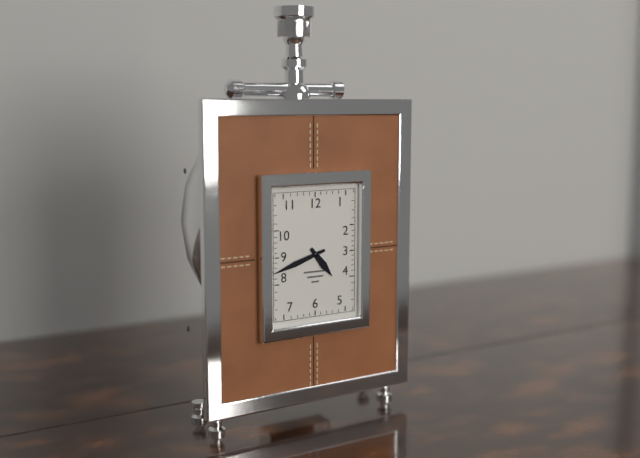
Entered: {"hour": 4, "minute": 42}
